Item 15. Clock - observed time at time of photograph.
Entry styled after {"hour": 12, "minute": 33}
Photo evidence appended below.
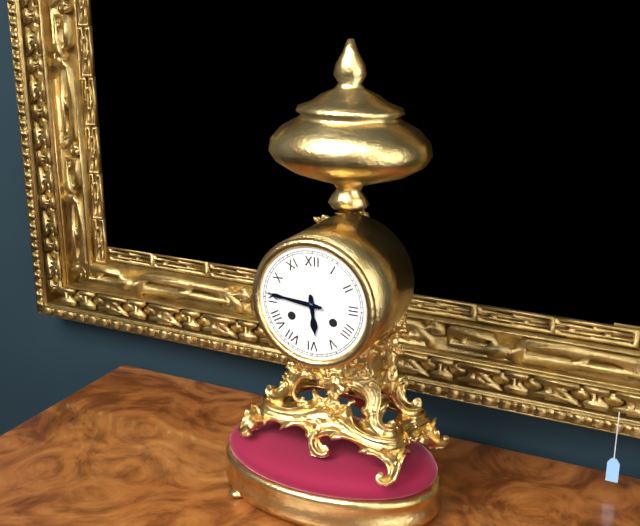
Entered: {"hour": 5, "minute": 46}
